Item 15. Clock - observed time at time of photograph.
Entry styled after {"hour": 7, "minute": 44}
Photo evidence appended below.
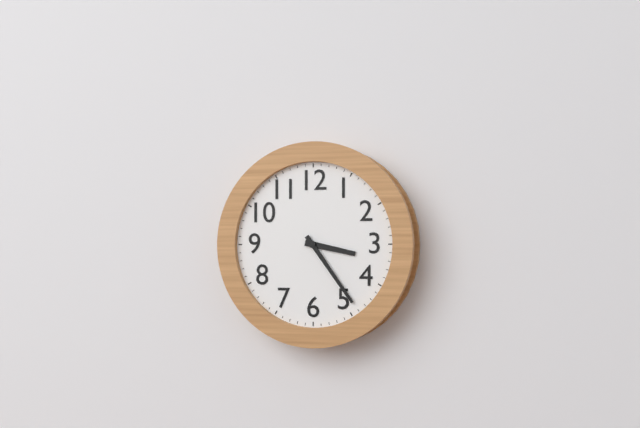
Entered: {"hour": 3, "minute": 24}
